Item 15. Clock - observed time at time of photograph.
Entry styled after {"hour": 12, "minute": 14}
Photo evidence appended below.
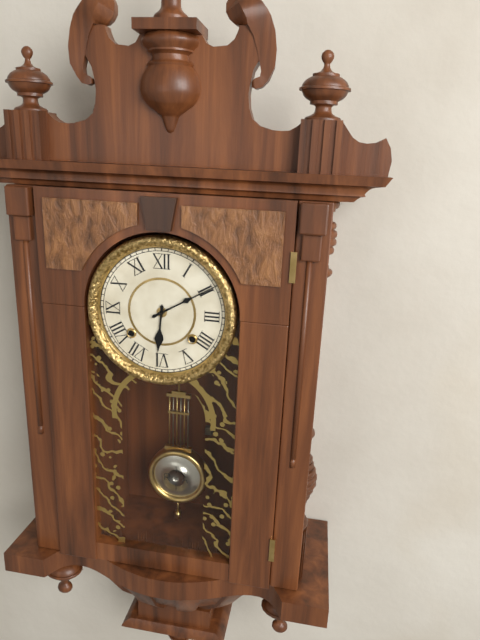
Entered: {"hour": 6, "minute": 10}
